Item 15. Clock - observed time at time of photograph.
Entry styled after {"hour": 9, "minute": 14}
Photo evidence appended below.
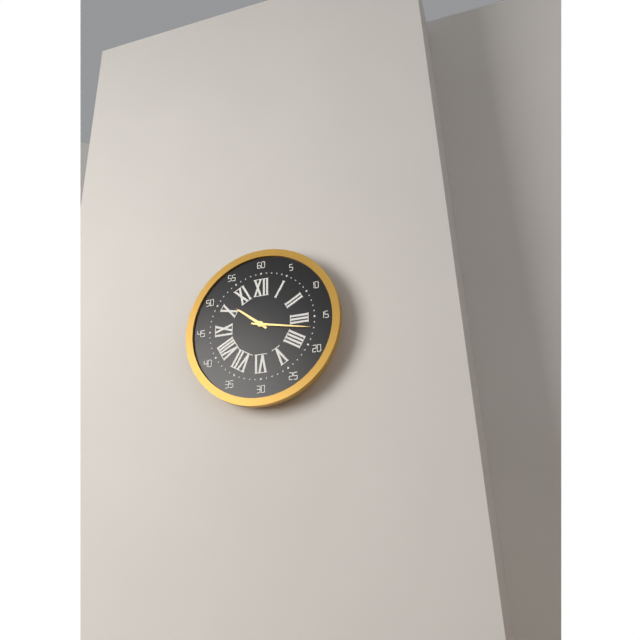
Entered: {"hour": 10, "minute": 17}
